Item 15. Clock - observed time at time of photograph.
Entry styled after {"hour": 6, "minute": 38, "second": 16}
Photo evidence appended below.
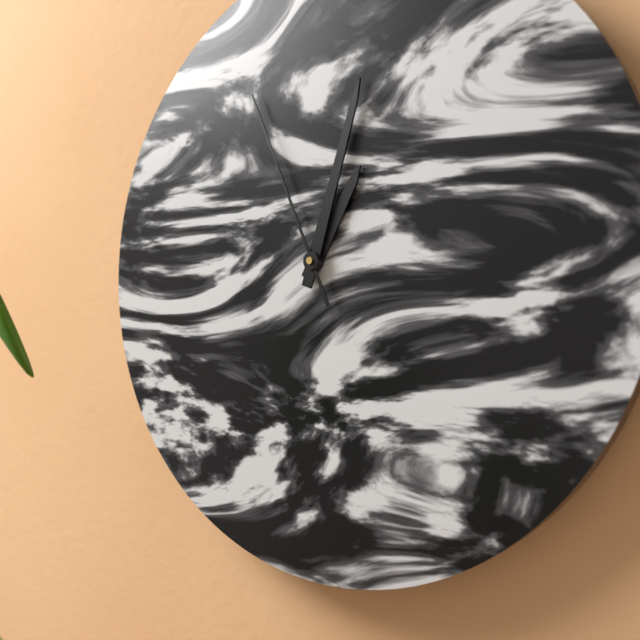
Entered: {"hour": 1, "minute": 3, "second": 56}
